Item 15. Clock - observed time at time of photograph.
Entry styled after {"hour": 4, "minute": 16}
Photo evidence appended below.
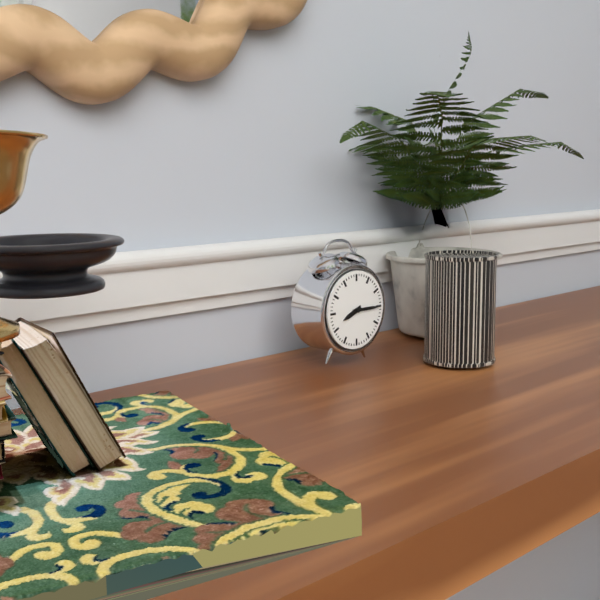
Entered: {"hour": 8, "minute": 15}
